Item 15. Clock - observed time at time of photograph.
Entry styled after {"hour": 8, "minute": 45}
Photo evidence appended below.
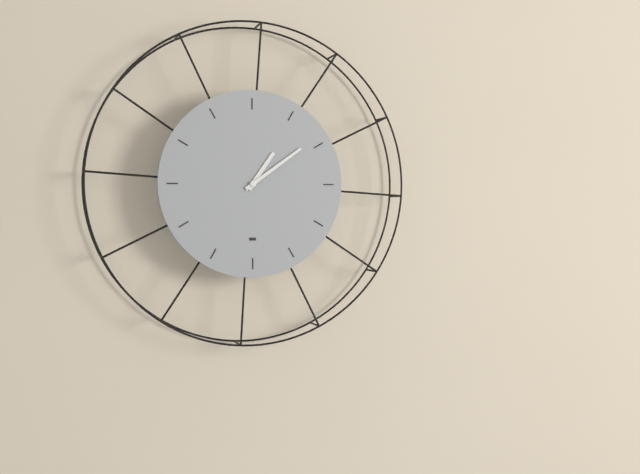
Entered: {"hour": 1, "minute": 9}
